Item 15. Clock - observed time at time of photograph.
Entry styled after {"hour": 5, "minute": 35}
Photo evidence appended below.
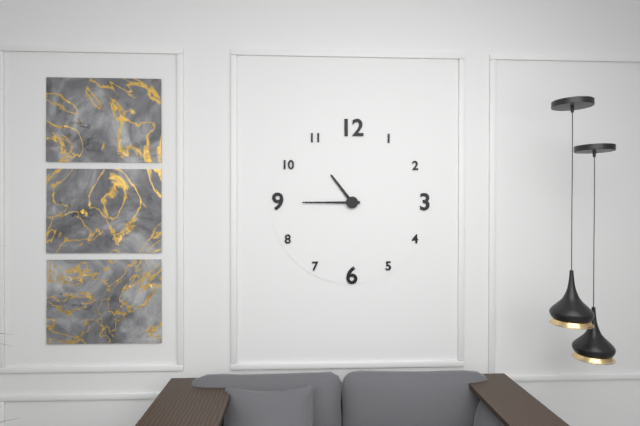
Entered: {"hour": 10, "minute": 45}
